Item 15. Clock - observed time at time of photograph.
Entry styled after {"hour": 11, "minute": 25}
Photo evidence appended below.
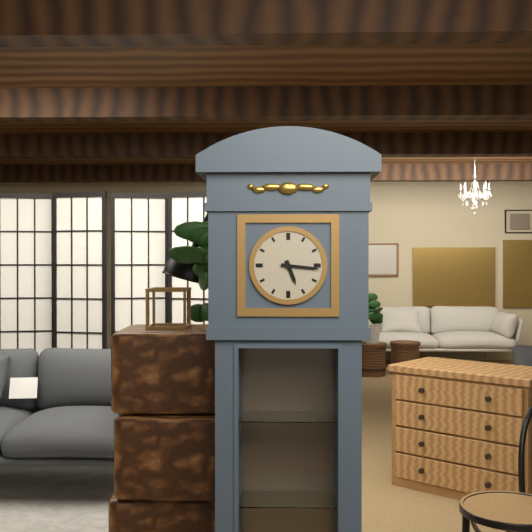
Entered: {"hour": 5, "minute": 16}
